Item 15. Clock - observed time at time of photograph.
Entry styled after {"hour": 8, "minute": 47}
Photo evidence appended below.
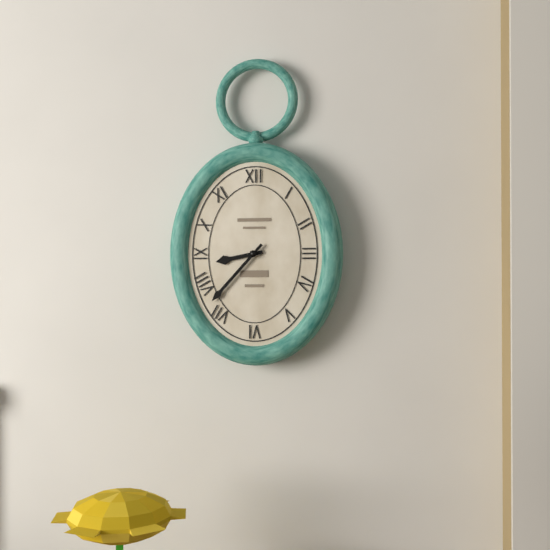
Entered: {"hour": 8, "minute": 37}
